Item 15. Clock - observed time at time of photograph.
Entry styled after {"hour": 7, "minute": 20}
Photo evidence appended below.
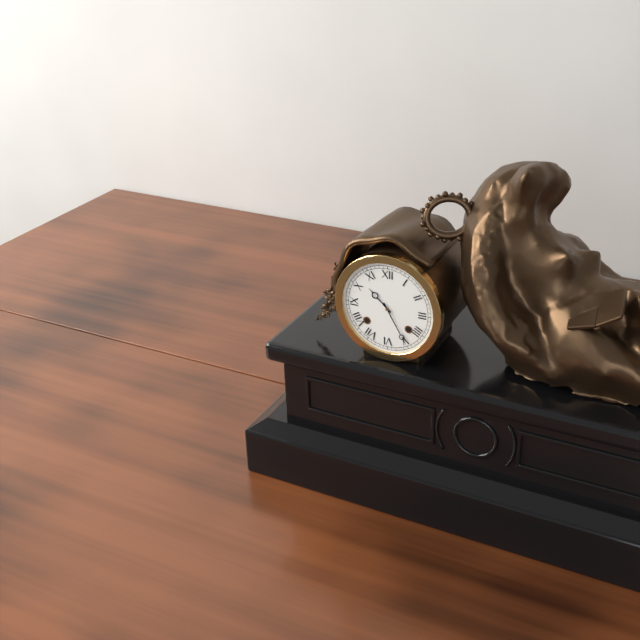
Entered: {"hour": 10, "minute": 25}
